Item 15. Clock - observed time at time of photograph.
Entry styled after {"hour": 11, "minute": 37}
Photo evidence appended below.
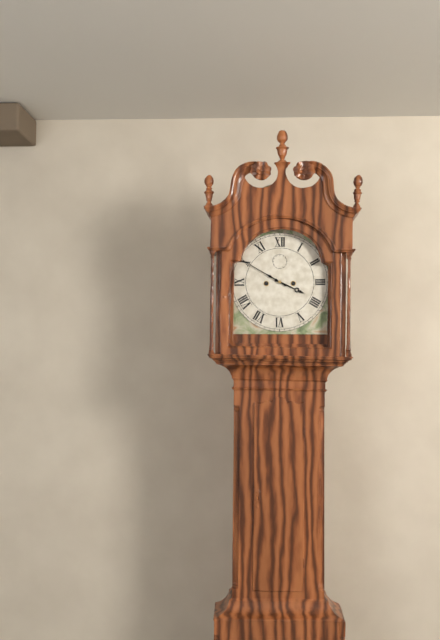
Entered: {"hour": 3, "minute": 50}
